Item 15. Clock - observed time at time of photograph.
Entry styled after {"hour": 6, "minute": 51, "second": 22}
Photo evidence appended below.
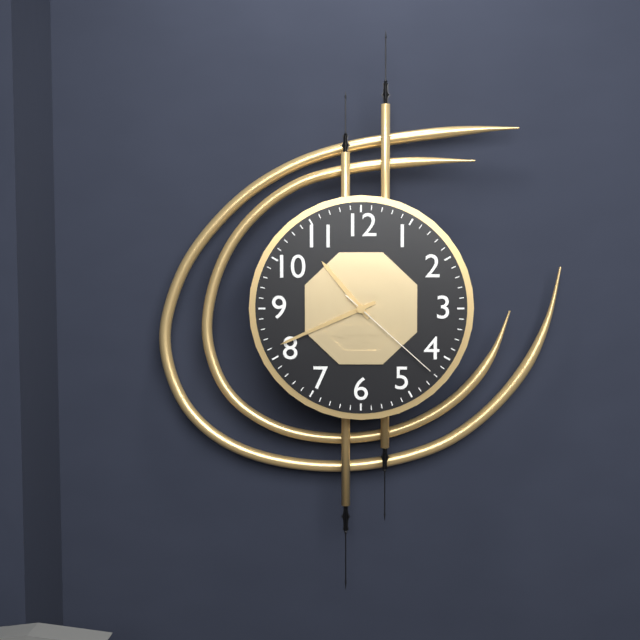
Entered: {"hour": 10, "minute": 41, "second": 22}
